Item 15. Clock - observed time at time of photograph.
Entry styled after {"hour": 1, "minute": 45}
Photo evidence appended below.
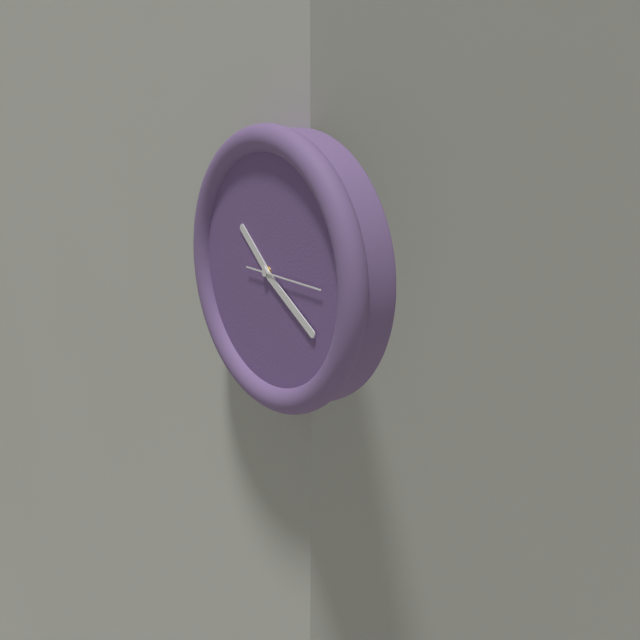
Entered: {"hour": 10, "minute": 20}
